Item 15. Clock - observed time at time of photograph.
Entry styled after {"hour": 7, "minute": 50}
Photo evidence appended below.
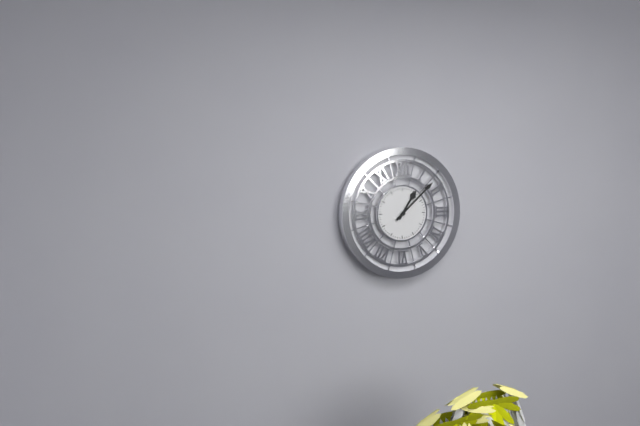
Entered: {"hour": 1, "minute": 8}
